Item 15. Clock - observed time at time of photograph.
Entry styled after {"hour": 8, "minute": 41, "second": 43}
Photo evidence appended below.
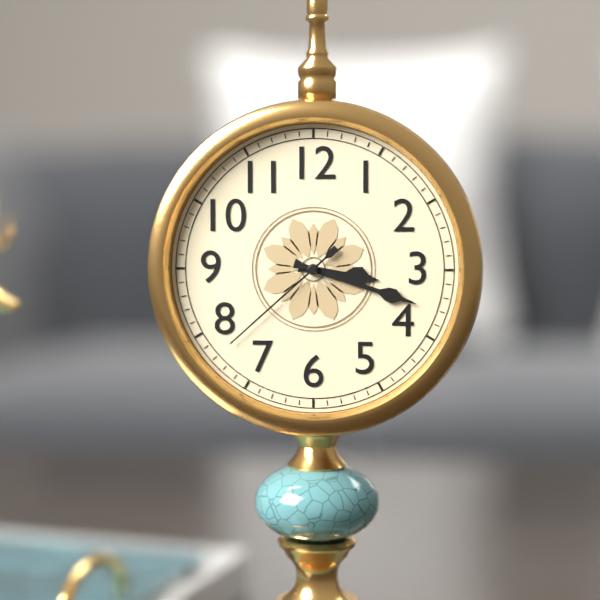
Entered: {"hour": 3, "minute": 18, "second": 38}
